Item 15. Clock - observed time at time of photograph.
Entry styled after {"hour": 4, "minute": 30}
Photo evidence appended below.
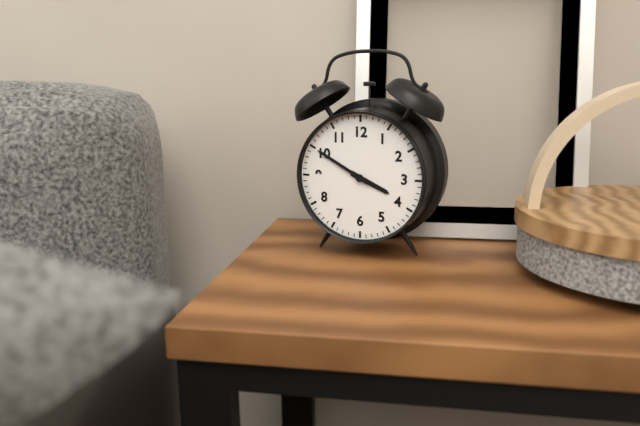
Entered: {"hour": 3, "minute": 50}
